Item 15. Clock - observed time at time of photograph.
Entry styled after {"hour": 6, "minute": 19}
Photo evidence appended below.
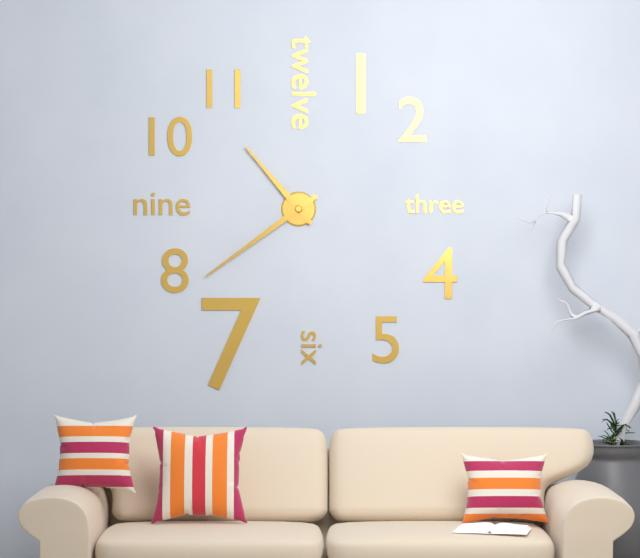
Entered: {"hour": 10, "minute": 39}
